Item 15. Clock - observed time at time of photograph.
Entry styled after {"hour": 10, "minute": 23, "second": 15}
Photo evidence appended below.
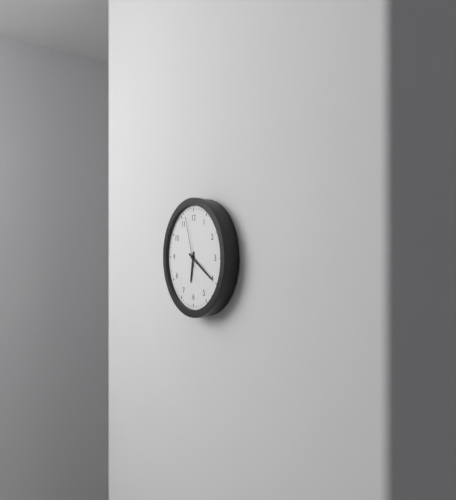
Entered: {"hour": 6, "minute": 20, "second": 57}
